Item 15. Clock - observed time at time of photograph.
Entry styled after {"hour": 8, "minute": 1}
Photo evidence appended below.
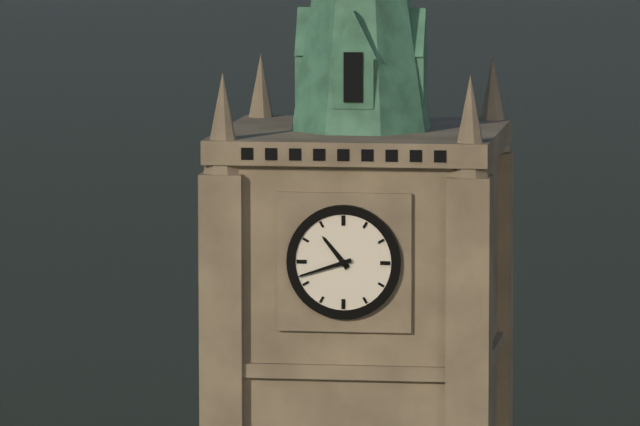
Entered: {"hour": 10, "minute": 42}
